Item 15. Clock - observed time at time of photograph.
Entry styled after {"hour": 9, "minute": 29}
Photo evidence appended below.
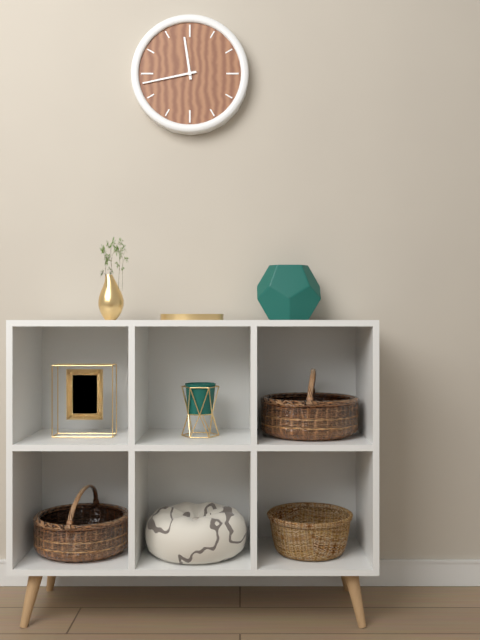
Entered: {"hour": 11, "minute": 43}
